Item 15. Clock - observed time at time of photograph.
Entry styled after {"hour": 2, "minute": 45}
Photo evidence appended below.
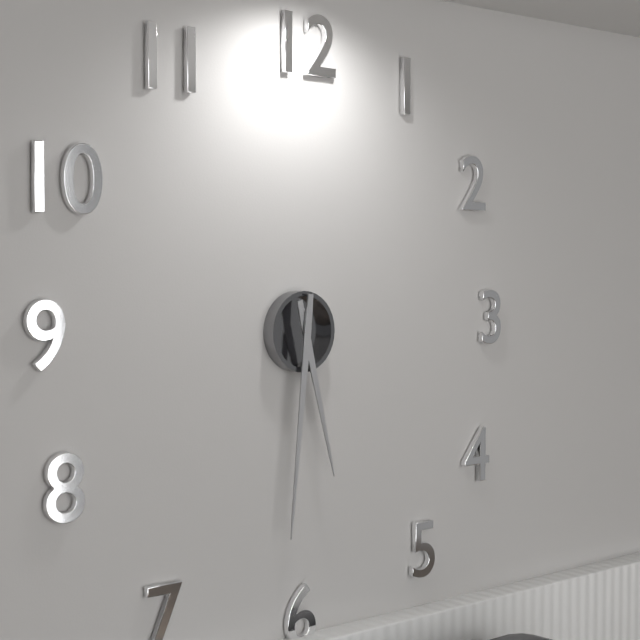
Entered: {"hour": 5, "minute": 31}
